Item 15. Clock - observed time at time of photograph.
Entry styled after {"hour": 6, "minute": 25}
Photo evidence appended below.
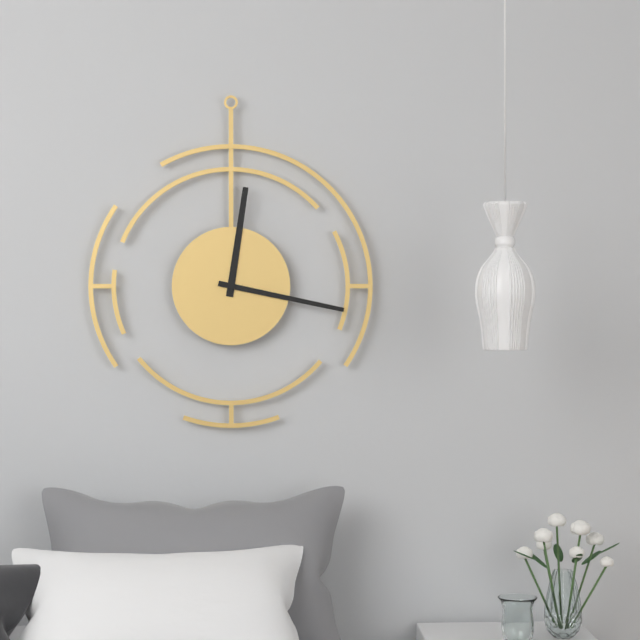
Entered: {"hour": 12, "minute": 17}
